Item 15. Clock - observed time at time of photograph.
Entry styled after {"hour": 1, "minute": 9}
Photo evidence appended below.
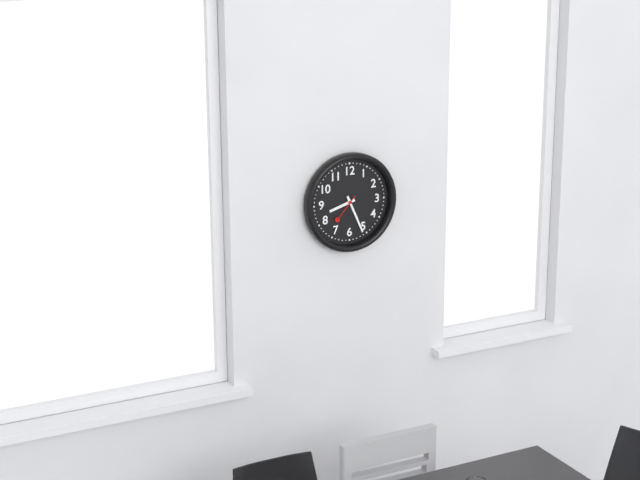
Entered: {"hour": 8, "minute": 26}
